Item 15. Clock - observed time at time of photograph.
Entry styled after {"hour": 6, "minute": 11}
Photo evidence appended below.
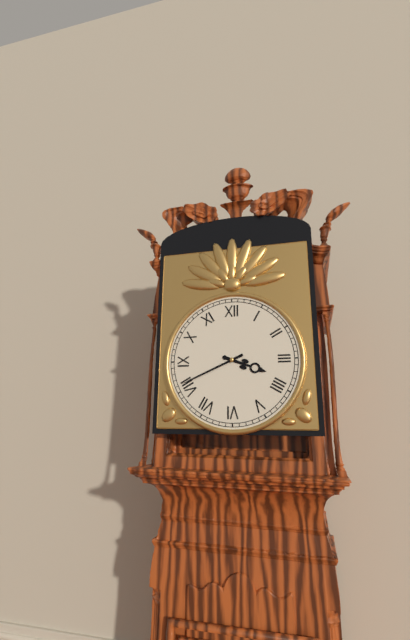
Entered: {"hour": 3, "minute": 41}
